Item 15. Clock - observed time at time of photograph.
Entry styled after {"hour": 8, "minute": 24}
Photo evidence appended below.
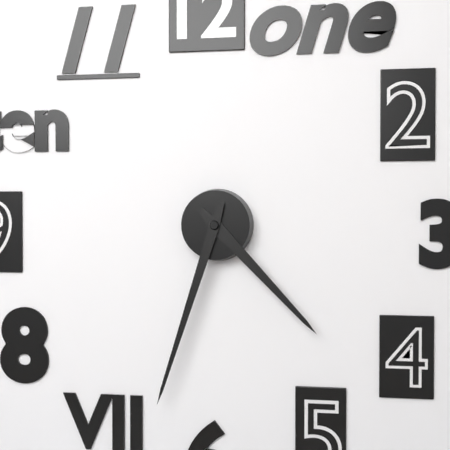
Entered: {"hour": 4, "minute": 33}
